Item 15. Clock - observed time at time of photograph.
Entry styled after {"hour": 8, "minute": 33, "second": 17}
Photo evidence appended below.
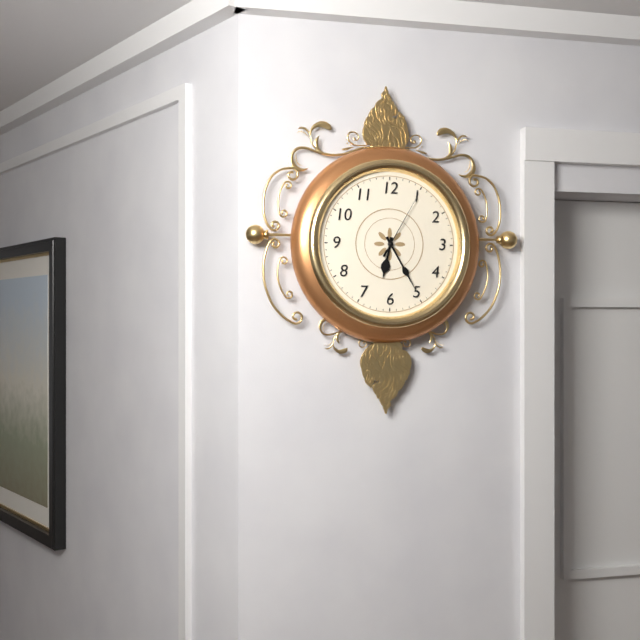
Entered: {"hour": 6, "minute": 25, "second": 5}
